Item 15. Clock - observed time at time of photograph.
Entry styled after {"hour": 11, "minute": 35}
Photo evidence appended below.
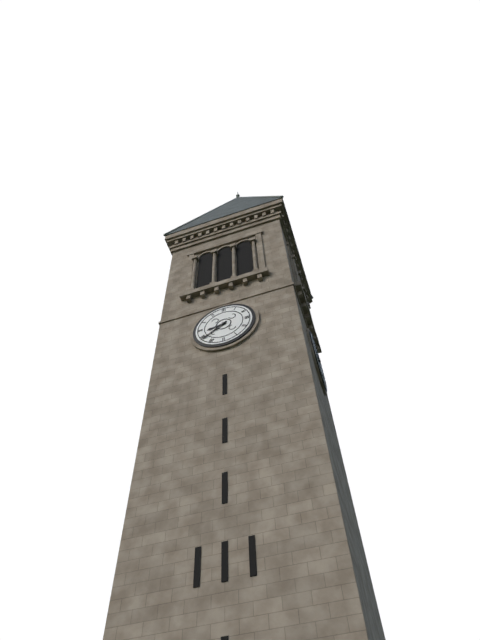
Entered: {"hour": 8, "minute": 39}
